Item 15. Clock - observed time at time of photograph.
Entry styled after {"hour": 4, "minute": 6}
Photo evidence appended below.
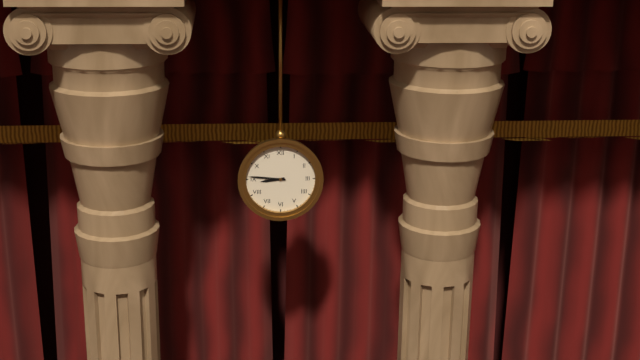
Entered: {"hour": 8, "minute": 46}
